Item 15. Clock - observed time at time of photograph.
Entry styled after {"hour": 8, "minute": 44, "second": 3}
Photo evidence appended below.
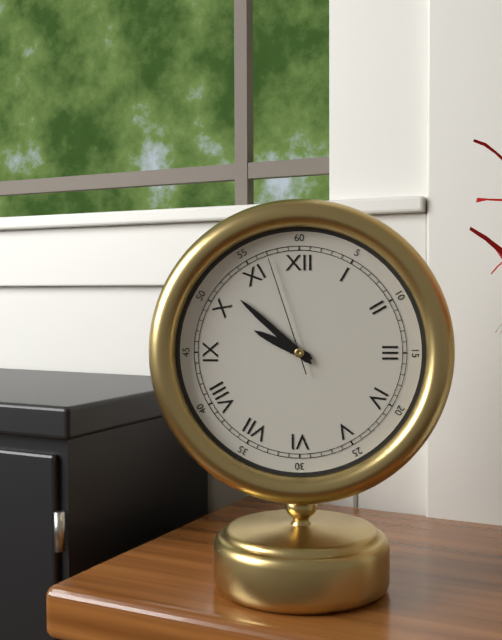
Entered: {"hour": 9, "minute": 52, "second": 57}
